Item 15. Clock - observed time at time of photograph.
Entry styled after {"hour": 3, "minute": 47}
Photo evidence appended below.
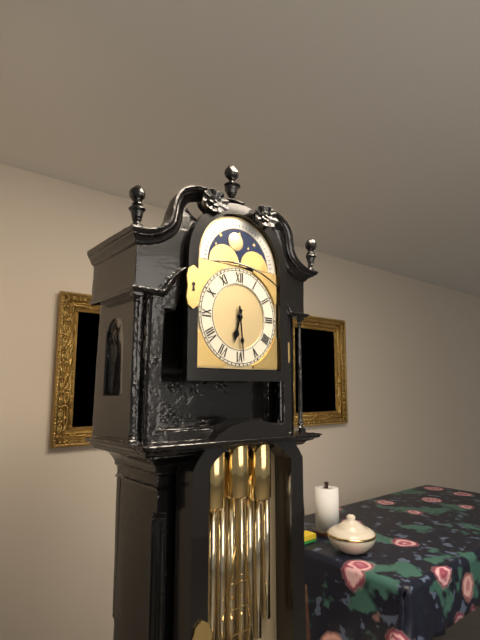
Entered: {"hour": 6, "minute": 29}
